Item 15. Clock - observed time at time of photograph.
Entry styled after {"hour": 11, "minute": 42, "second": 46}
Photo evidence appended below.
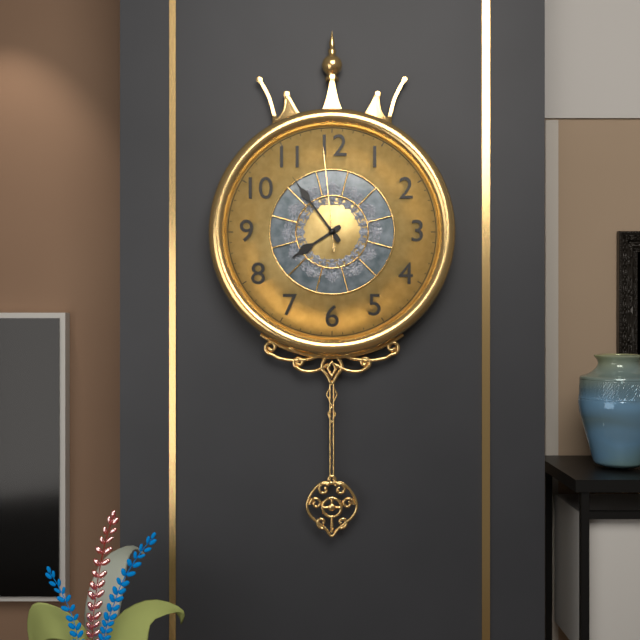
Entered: {"hour": 7, "minute": 54, "second": 59}
